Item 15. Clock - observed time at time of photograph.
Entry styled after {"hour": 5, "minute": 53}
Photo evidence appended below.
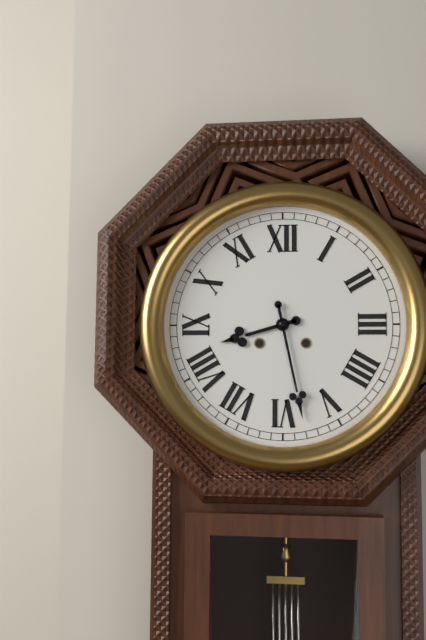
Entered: {"hour": 8, "minute": 28}
